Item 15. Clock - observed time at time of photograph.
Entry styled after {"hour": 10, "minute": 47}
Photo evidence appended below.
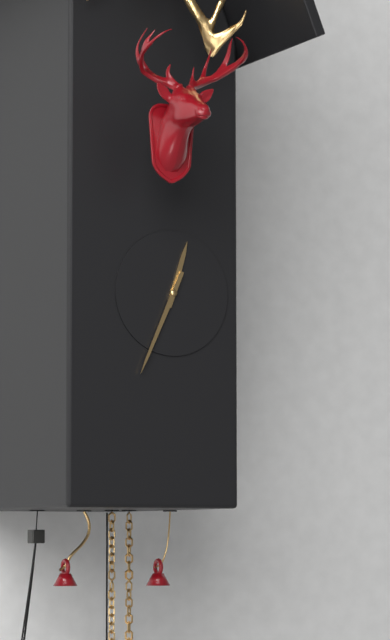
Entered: {"hour": 12, "minute": 34}
